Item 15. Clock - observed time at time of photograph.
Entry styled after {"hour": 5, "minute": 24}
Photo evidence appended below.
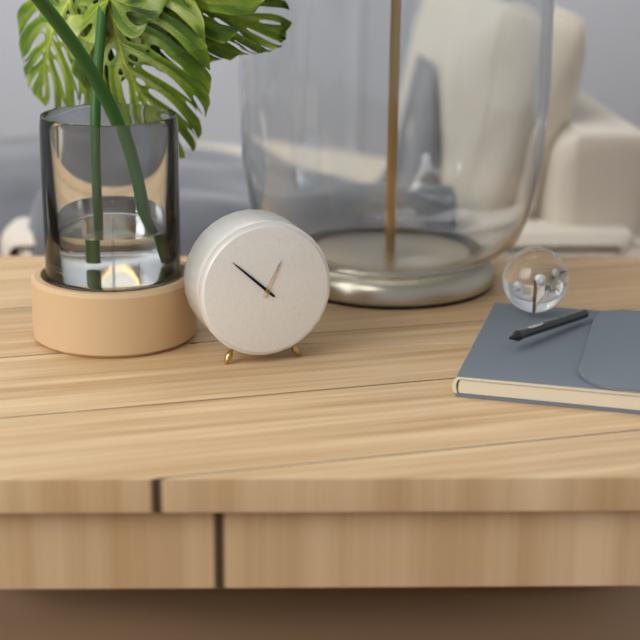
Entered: {"hour": 12, "minute": 52}
